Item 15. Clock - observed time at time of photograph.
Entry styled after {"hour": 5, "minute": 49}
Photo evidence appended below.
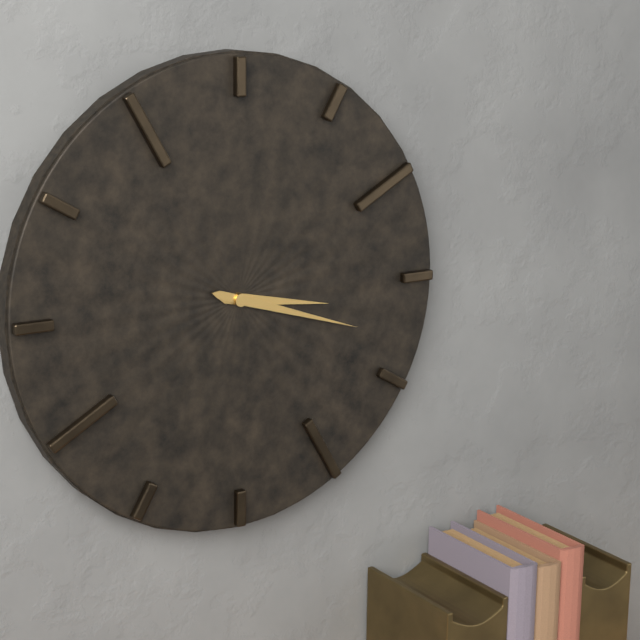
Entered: {"hour": 3, "minute": 18}
